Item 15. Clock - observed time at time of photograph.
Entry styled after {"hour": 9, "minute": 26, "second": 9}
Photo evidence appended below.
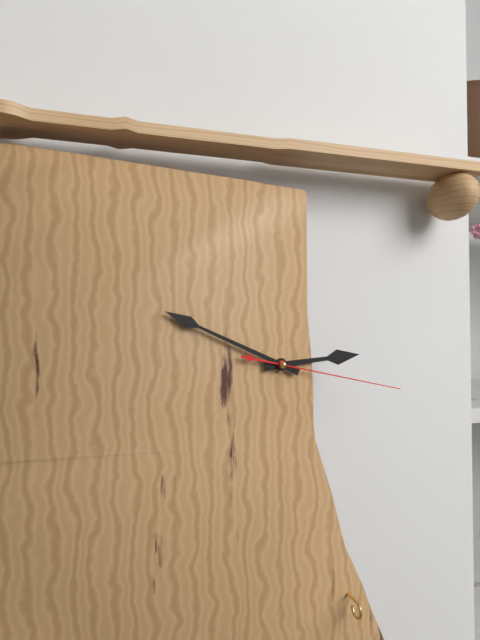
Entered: {"hour": 2, "minute": 49, "second": 17}
